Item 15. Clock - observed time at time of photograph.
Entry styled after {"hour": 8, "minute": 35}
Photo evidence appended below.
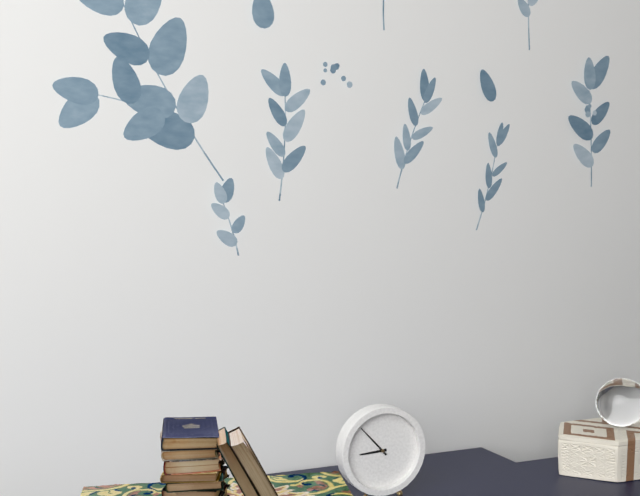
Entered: {"hour": 8, "minute": 53}
